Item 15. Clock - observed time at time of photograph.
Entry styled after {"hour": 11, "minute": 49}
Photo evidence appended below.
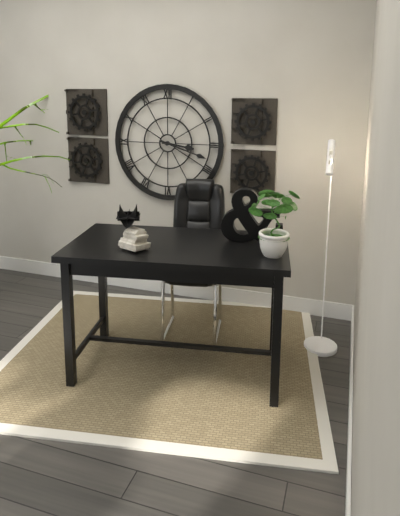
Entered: {"hour": 3, "minute": 18}
